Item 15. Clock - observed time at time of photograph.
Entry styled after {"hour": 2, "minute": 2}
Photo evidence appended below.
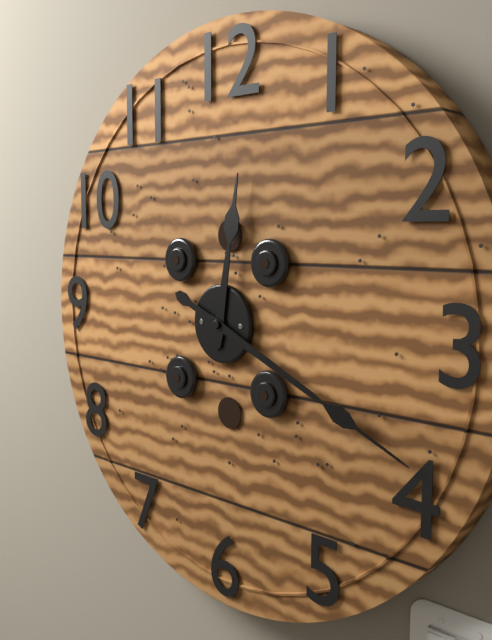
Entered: {"hour": 12, "minute": 19}
